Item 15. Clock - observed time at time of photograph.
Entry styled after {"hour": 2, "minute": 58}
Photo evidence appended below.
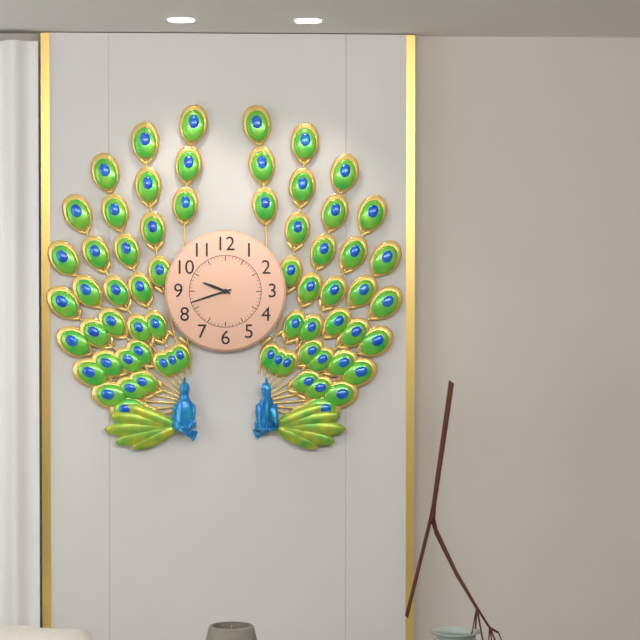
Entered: {"hour": 9, "minute": 42}
